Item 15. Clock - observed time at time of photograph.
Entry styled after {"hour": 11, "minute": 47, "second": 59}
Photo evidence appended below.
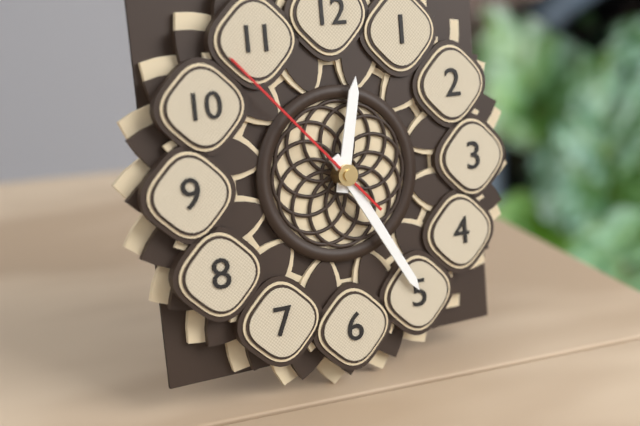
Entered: {"hour": 12, "minute": 25, "second": 53}
